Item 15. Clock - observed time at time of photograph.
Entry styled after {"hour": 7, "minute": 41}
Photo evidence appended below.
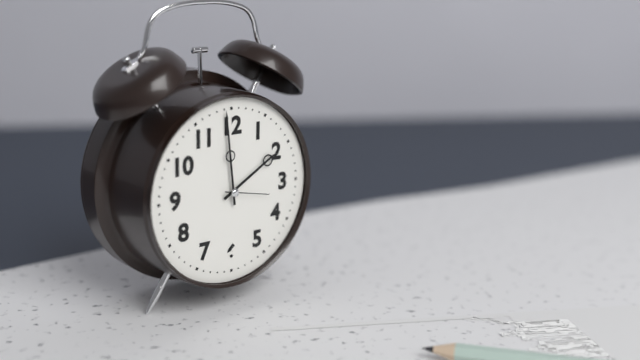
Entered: {"hour": 1, "minute": 59}
